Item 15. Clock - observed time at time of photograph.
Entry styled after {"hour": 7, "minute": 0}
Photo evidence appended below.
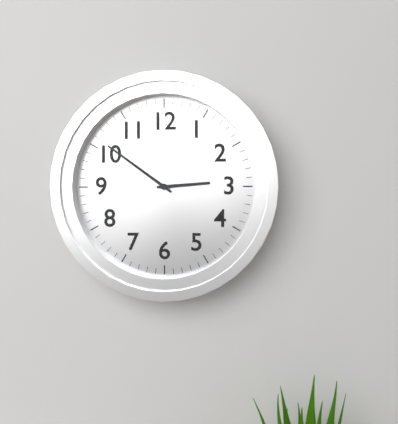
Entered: {"hour": 2, "minute": 51}
